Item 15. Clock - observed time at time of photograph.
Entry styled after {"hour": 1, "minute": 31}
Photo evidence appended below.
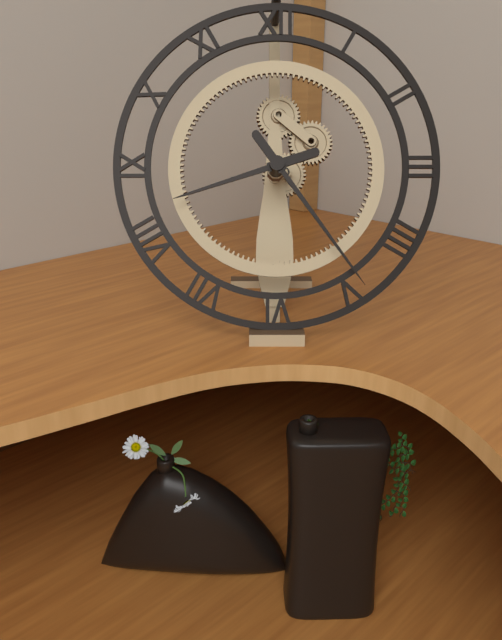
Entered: {"hour": 8, "minute": 24}
